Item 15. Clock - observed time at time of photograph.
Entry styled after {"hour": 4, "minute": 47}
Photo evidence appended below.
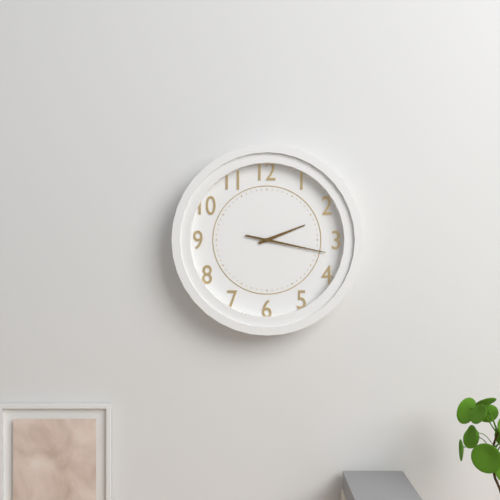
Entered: {"hour": 2, "minute": 17}
